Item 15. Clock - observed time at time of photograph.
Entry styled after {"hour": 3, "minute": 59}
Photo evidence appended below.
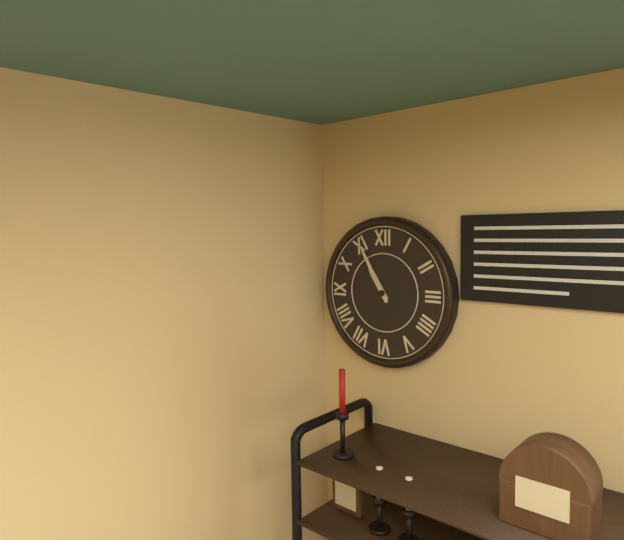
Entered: {"hour": 10, "minute": 55}
